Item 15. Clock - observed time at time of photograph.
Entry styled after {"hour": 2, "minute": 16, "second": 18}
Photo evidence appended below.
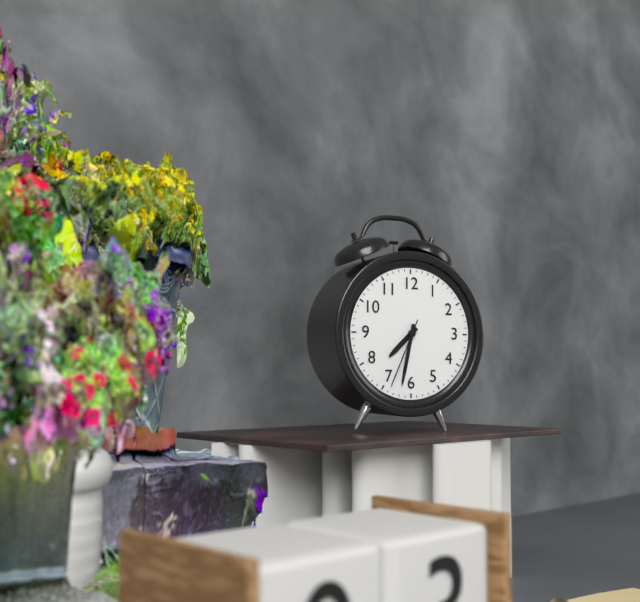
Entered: {"hour": 7, "minute": 32, "second": 34}
